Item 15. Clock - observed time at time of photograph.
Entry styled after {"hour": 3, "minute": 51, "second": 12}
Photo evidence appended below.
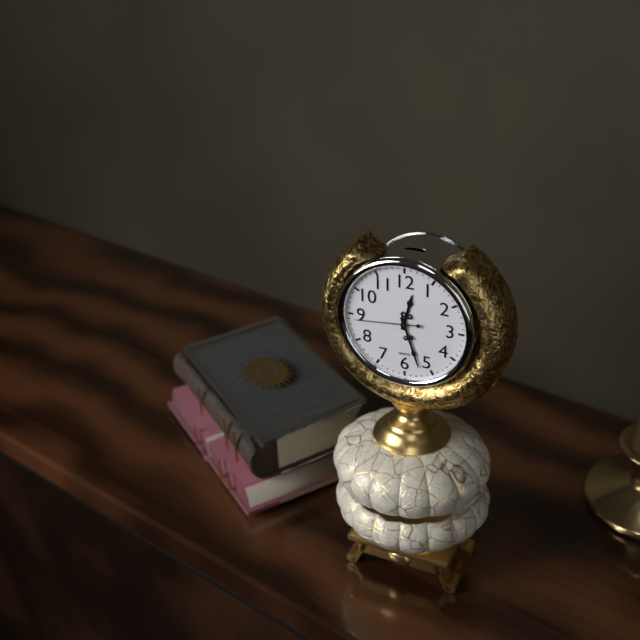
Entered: {"hour": 12, "minute": 27, "second": 44}
